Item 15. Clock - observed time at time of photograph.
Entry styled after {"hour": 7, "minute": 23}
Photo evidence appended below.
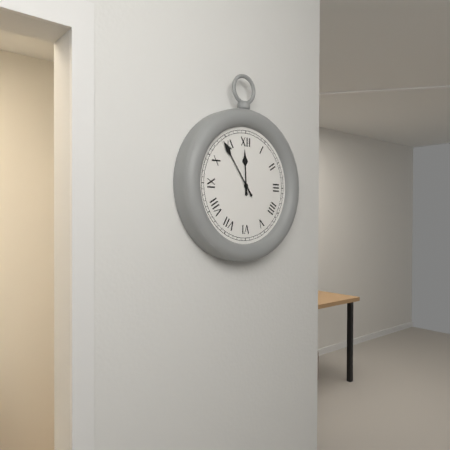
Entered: {"hour": 11, "minute": 54}
